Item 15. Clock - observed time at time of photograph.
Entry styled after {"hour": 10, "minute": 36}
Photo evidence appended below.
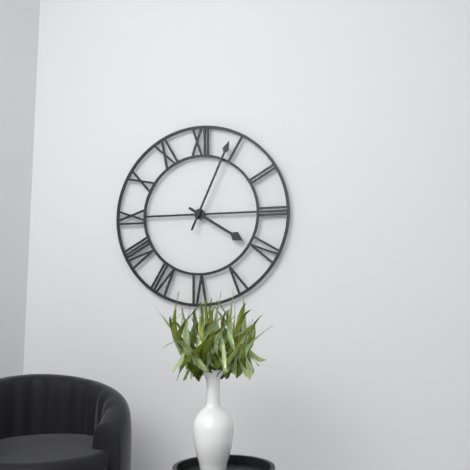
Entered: {"hour": 4, "minute": 4}
